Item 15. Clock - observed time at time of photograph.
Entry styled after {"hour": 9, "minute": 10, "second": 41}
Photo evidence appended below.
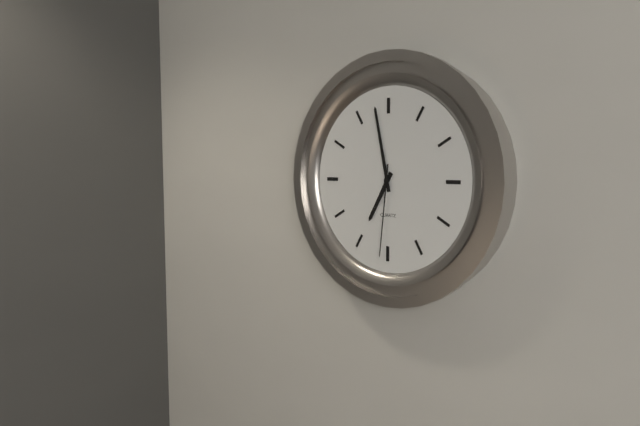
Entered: {"hour": 6, "minute": 58, "second": 31}
